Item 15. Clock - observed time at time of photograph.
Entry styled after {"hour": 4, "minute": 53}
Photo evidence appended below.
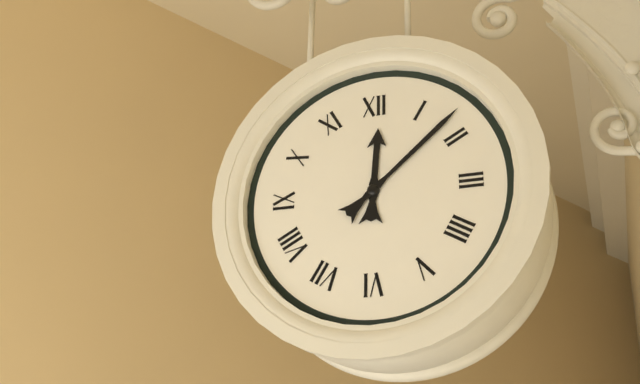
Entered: {"hour": 12, "minute": 8}
